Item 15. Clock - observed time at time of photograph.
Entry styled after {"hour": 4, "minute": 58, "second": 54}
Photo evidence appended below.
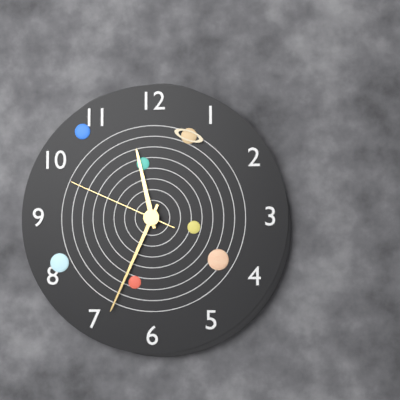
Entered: {"hour": 11, "minute": 34, "second": 49}
